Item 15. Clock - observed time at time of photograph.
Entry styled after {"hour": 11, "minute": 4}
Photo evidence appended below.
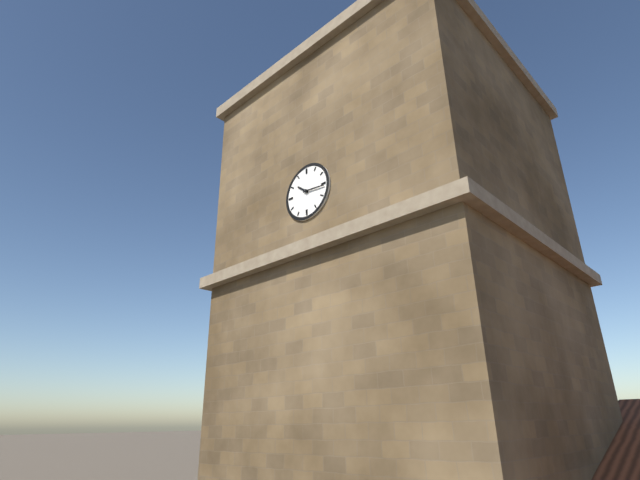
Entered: {"hour": 10, "minute": 16}
